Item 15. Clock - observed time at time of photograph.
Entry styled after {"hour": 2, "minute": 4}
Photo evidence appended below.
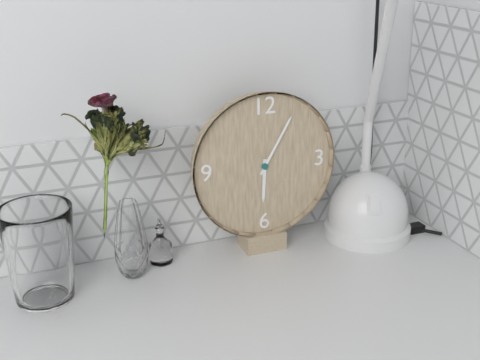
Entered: {"hour": 6, "minute": 5}
